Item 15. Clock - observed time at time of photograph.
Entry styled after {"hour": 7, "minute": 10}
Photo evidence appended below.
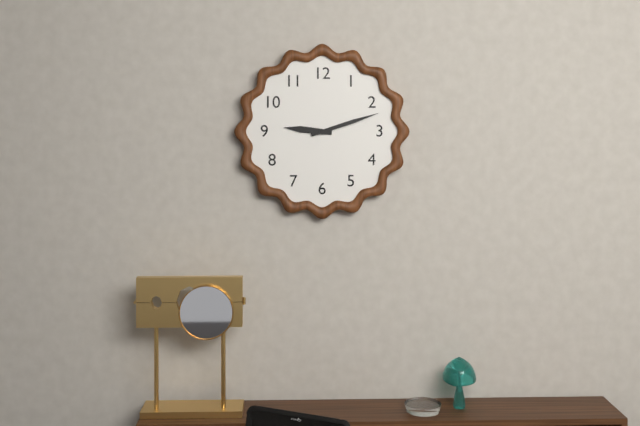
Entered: {"hour": 9, "minute": 12}
